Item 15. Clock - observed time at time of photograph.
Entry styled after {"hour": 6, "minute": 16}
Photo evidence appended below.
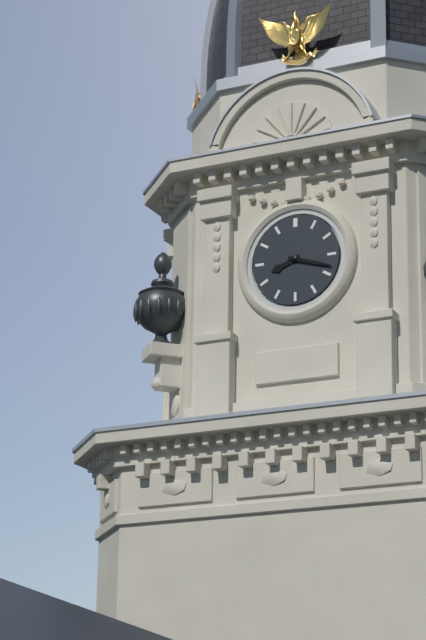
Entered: {"hour": 8, "minute": 18}
